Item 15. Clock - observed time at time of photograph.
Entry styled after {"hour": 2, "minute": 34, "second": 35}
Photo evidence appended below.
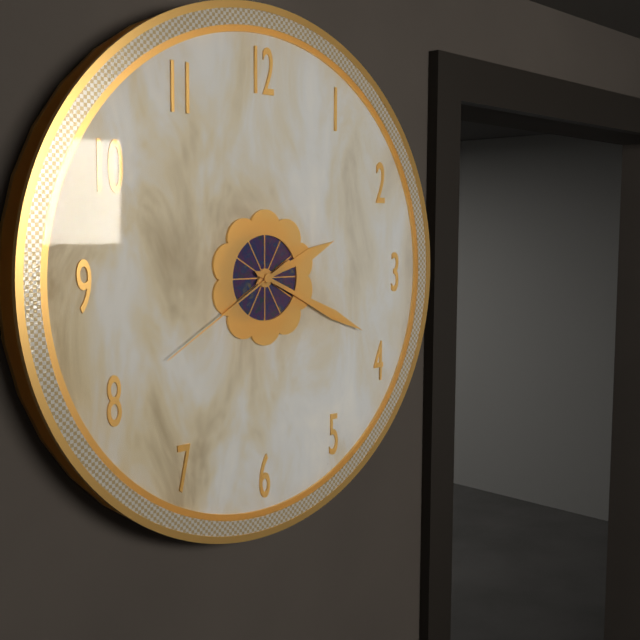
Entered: {"hour": 2, "minute": 19, "second": 40}
